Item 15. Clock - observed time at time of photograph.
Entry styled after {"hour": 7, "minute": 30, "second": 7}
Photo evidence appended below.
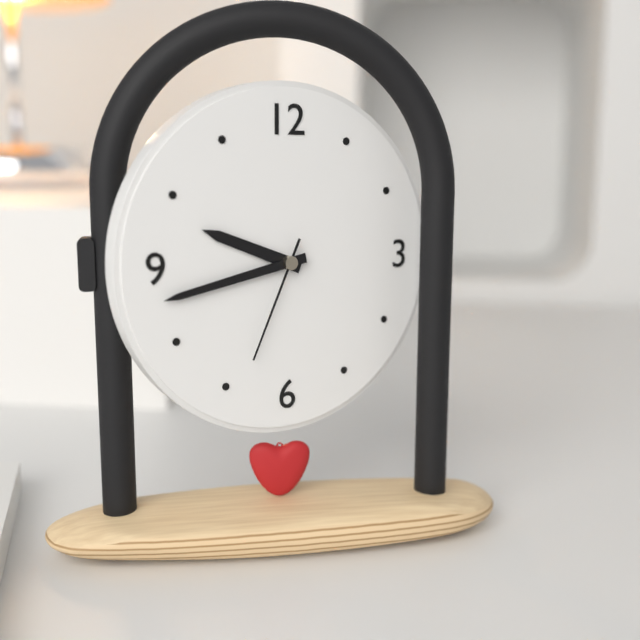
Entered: {"hour": 9, "minute": 43, "second": 34}
